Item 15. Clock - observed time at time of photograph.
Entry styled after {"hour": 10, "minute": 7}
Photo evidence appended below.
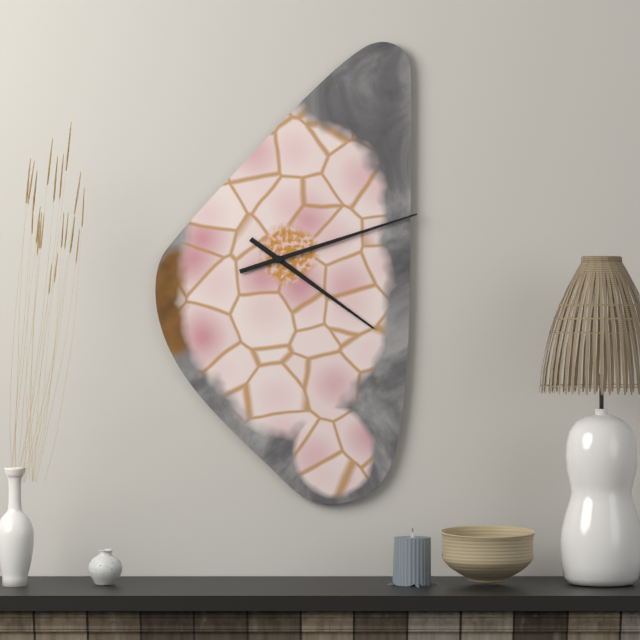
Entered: {"hour": 4, "minute": 12}
